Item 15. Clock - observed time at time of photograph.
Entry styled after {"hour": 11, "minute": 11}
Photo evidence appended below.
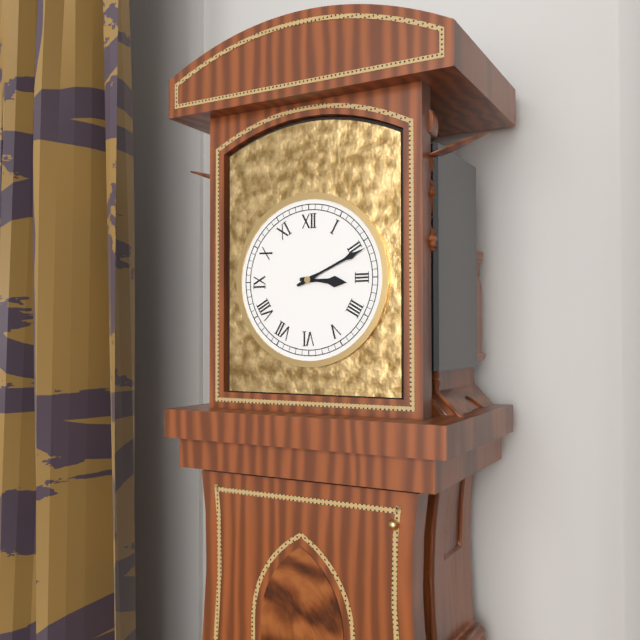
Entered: {"hour": 3, "minute": 11}
